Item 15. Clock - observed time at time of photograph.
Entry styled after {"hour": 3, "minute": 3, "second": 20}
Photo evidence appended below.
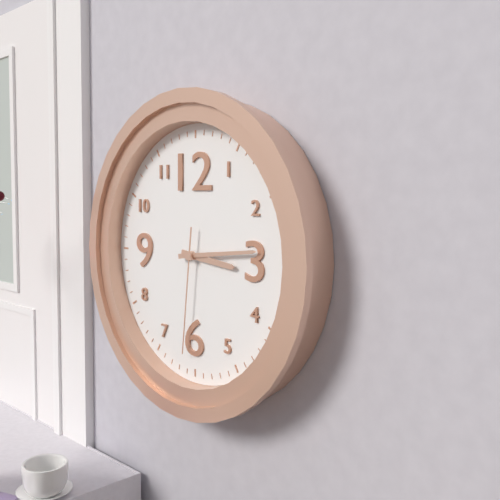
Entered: {"hour": 3, "minute": 14, "second": 31}
